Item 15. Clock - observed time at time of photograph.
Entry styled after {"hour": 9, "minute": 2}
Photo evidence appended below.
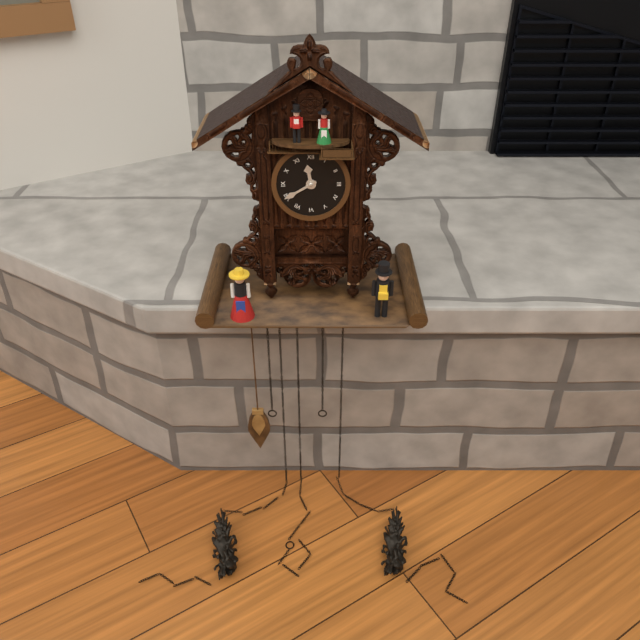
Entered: {"hour": 11, "minute": 40}
